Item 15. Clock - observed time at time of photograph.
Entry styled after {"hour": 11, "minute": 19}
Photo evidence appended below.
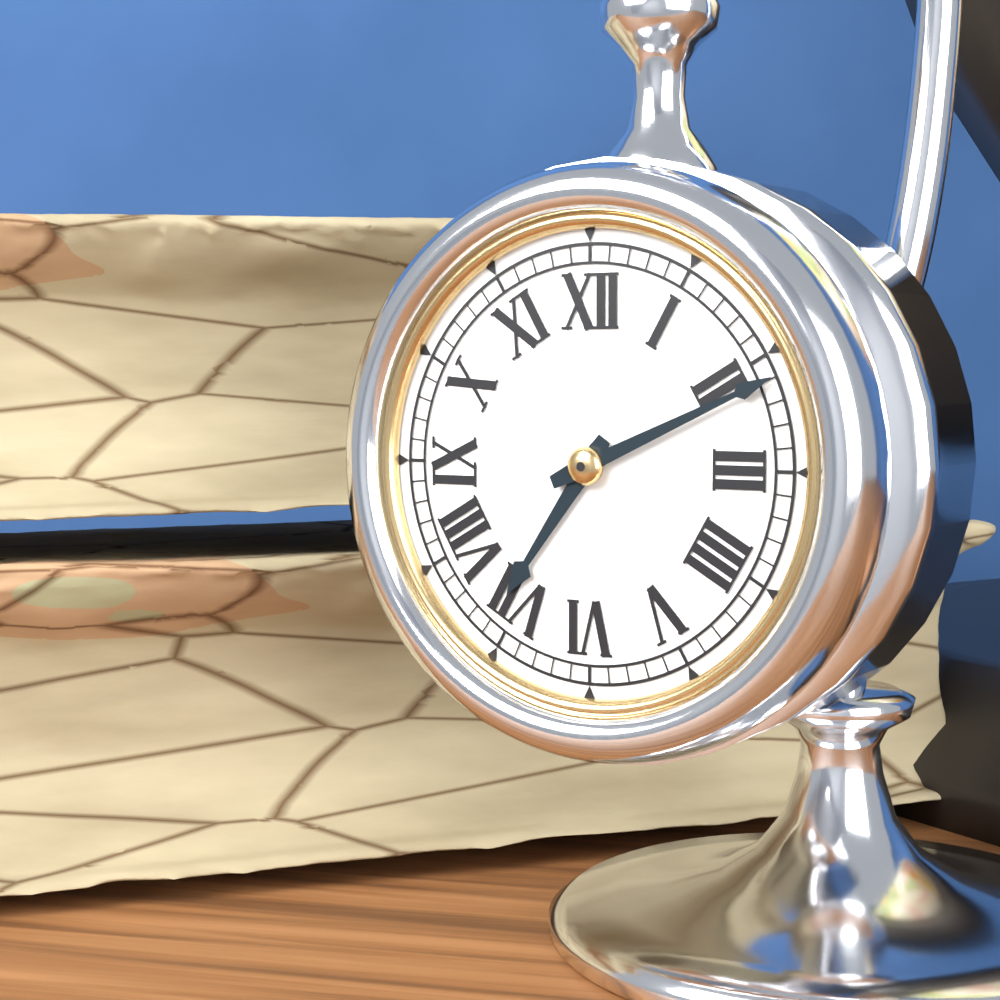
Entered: {"hour": 7, "minute": 11}
